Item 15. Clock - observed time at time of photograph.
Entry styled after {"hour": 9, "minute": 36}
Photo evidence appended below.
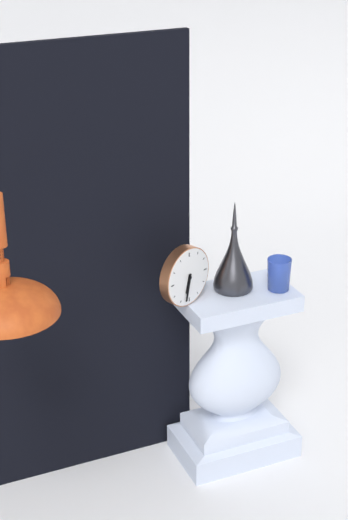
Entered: {"hour": 6, "minute": 32}
